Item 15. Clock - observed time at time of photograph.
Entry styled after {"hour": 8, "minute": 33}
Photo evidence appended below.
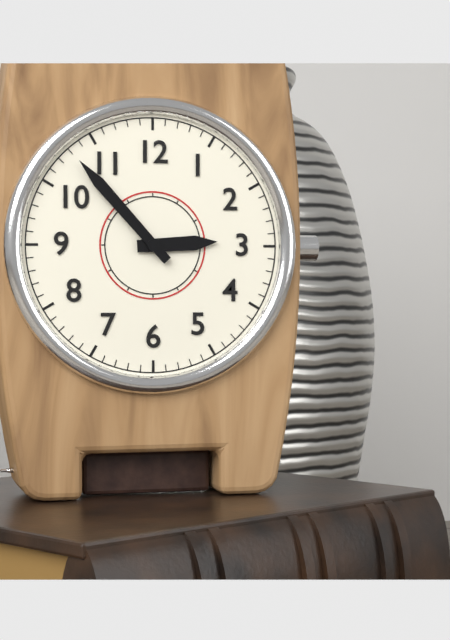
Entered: {"hour": 2, "minute": 53}
